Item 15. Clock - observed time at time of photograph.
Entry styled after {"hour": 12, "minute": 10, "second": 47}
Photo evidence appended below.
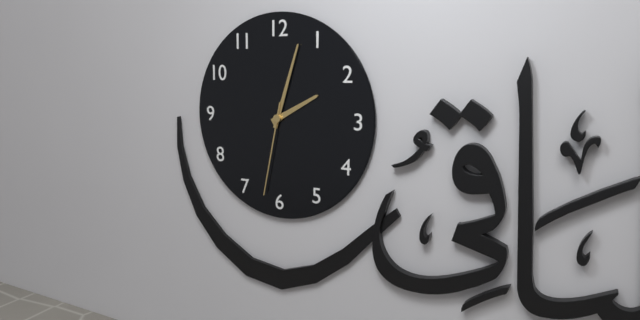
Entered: {"hour": 2, "minute": 3, "second": 32}
